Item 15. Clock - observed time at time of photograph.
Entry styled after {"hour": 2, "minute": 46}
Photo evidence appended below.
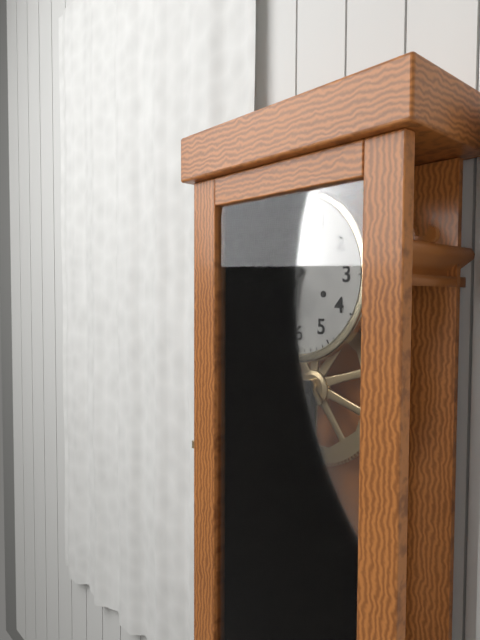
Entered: {"hour": 7, "minute": 31}
